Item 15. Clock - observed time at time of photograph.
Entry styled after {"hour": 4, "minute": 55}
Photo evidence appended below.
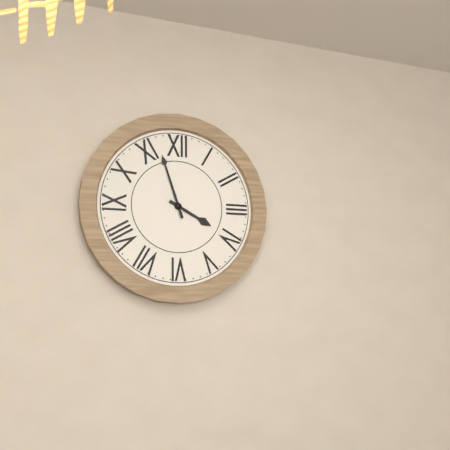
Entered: {"hour": 3, "minute": 57}
